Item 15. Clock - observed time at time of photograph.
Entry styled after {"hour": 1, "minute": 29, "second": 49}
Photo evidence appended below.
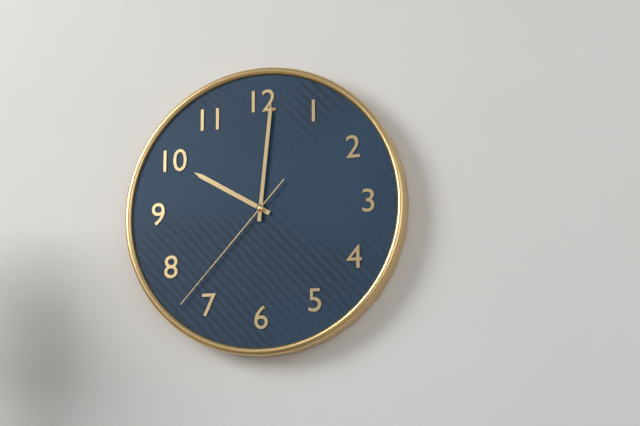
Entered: {"hour": 10, "minute": 1, "second": 37}
